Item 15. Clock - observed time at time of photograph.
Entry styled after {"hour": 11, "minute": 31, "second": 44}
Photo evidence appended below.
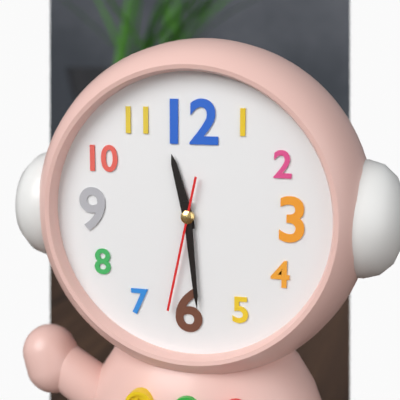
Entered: {"hour": 11, "minute": 29, "second": 32}
